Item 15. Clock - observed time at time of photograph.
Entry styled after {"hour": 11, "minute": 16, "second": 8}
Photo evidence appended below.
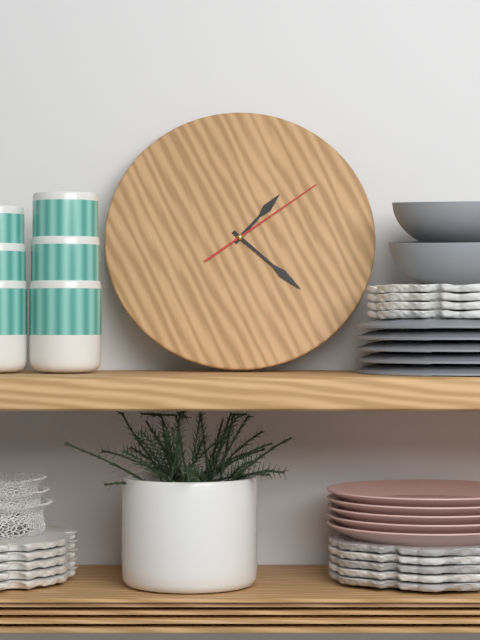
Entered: {"hour": 1, "minute": 22, "second": 9}
